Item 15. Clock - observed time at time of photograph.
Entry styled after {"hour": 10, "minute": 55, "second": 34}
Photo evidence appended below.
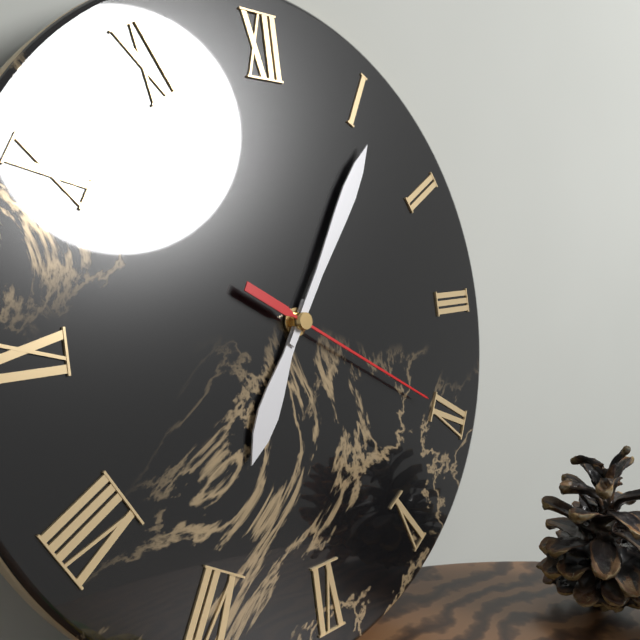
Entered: {"hour": 7, "minute": 6, "second": 20}
